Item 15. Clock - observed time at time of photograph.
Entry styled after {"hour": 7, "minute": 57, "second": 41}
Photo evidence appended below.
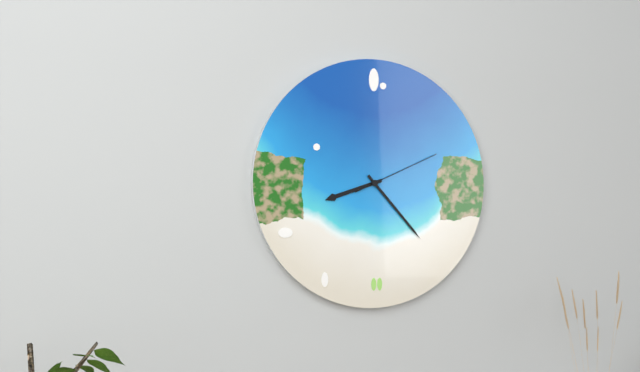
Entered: {"hour": 8, "minute": 23, "second": 11}
